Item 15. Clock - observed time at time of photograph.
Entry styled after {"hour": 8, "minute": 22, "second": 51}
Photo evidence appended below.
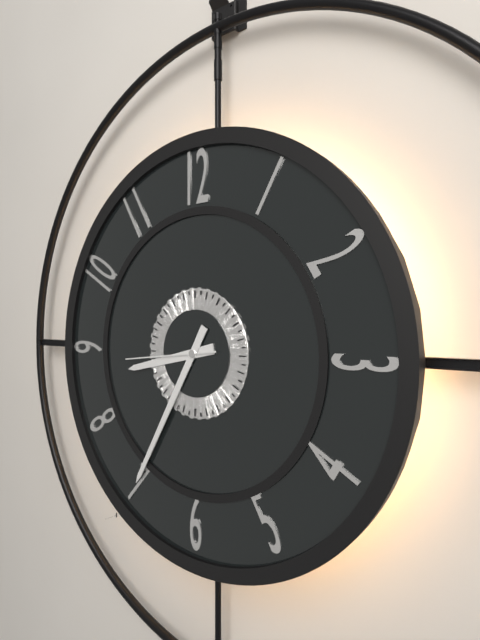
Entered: {"hour": 8, "minute": 35, "second": 44}
